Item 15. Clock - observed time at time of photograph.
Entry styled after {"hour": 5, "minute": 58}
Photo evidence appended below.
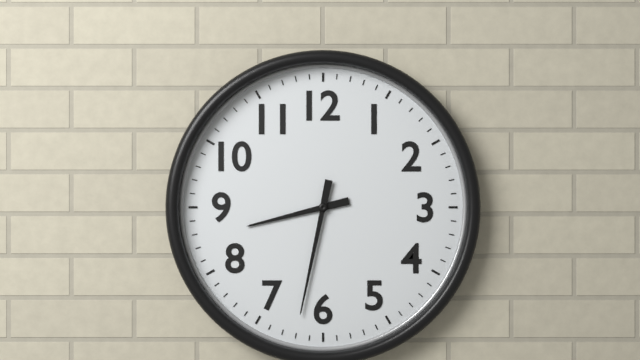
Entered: {"hour": 8, "minute": 32}
